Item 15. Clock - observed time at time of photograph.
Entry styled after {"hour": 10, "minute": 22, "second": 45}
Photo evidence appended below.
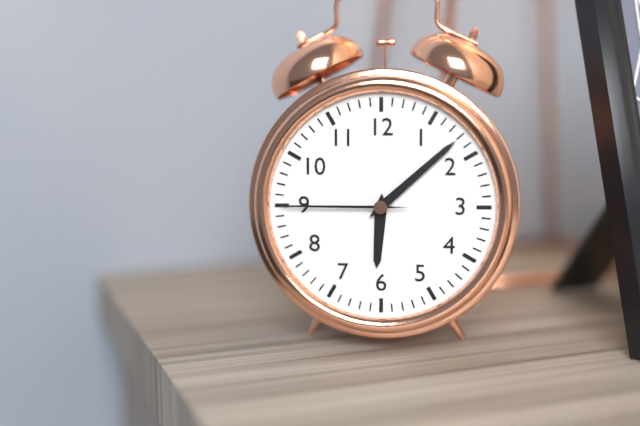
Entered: {"hour": 6, "minute": 8, "second": 45}
